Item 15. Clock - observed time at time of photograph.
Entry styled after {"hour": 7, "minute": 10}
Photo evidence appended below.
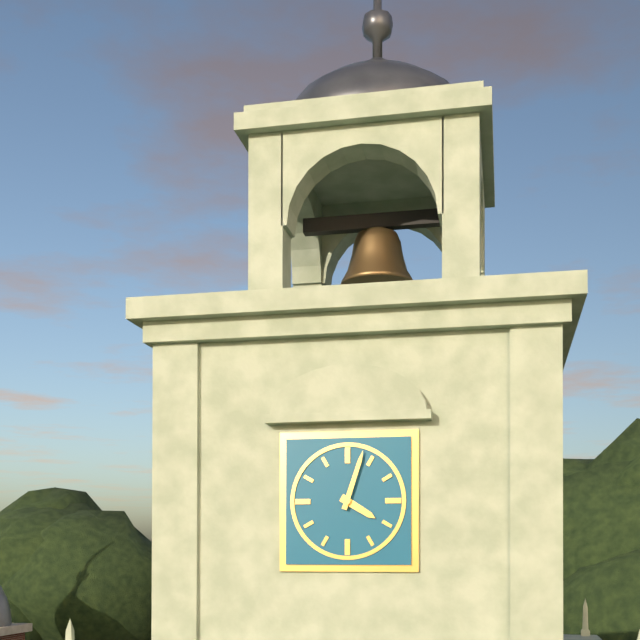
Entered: {"hour": 4, "minute": 3}
